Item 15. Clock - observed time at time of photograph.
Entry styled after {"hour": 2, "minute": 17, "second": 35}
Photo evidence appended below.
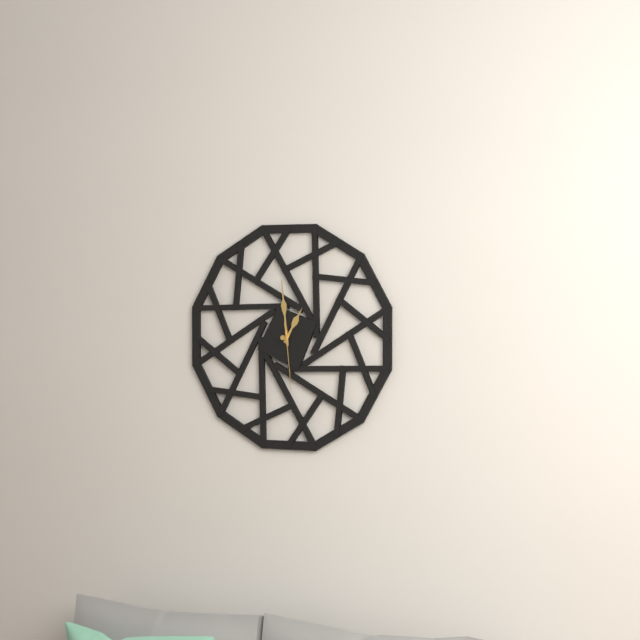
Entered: {"hour": 12, "minute": 59, "second": 29}
